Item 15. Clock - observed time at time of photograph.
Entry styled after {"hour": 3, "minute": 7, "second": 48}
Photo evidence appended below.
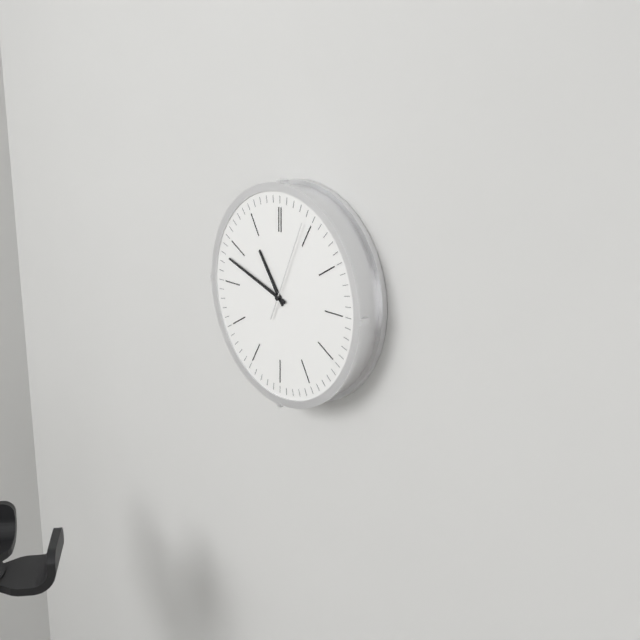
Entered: {"hour": 10, "minute": 48, "second": 4}
